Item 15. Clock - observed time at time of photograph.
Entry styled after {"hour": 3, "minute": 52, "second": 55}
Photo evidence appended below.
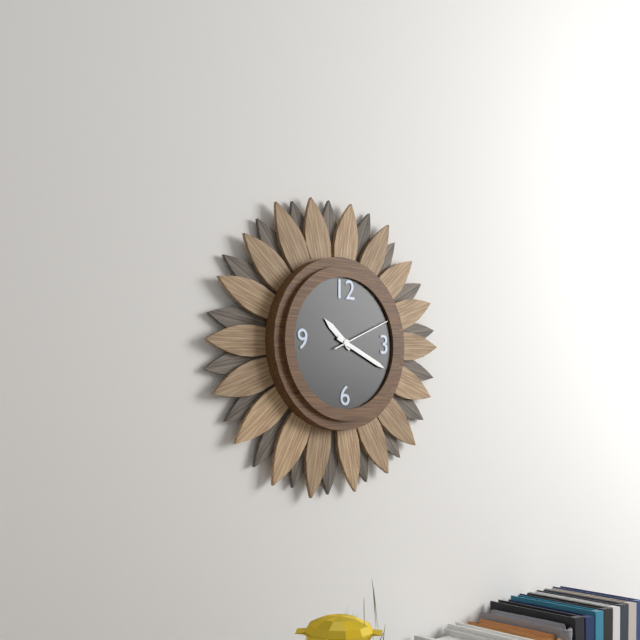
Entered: {"hour": 10, "minute": 19, "second": 11}
